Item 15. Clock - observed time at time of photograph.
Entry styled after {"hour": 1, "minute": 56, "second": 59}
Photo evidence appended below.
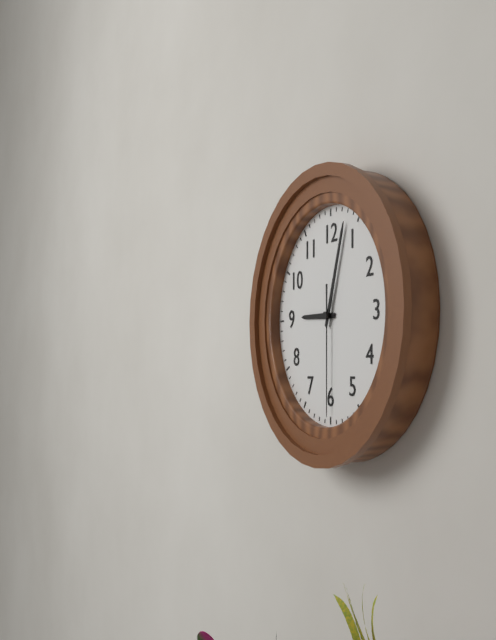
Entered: {"hour": 9, "minute": 3, "second": 30}
